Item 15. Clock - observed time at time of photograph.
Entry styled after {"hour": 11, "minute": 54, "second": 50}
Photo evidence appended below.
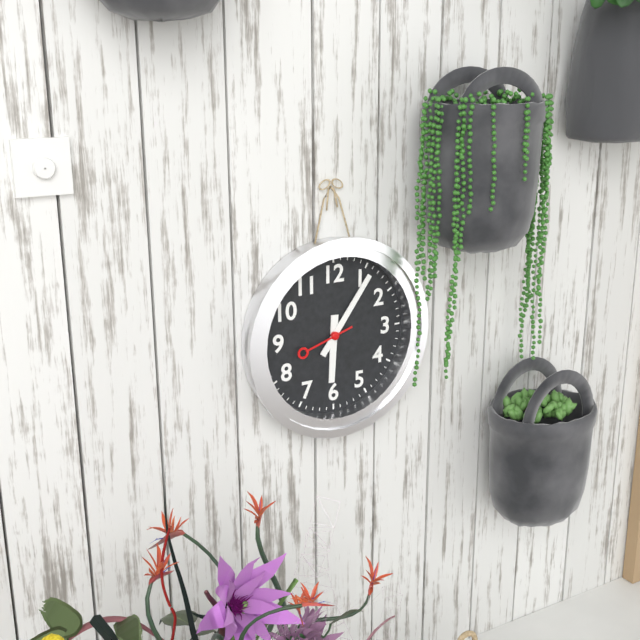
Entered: {"hour": 6, "minute": 6, "second": 42}
